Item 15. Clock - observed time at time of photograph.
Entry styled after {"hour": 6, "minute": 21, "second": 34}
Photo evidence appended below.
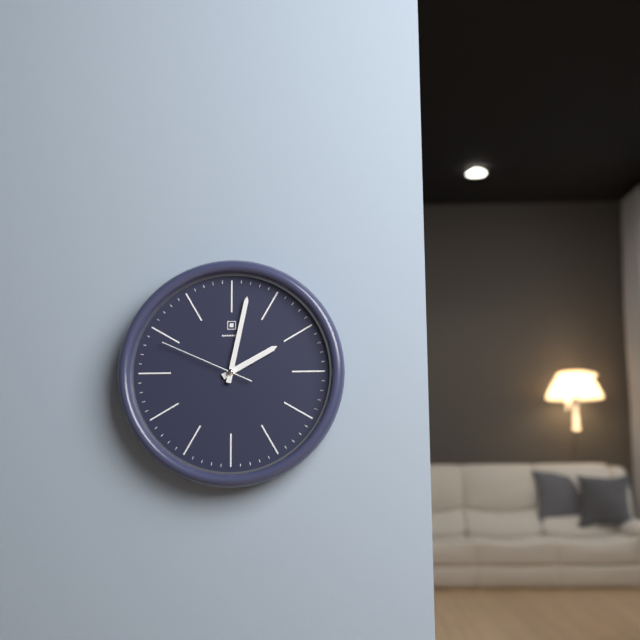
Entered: {"hour": 2, "minute": 2, "second": 49}
